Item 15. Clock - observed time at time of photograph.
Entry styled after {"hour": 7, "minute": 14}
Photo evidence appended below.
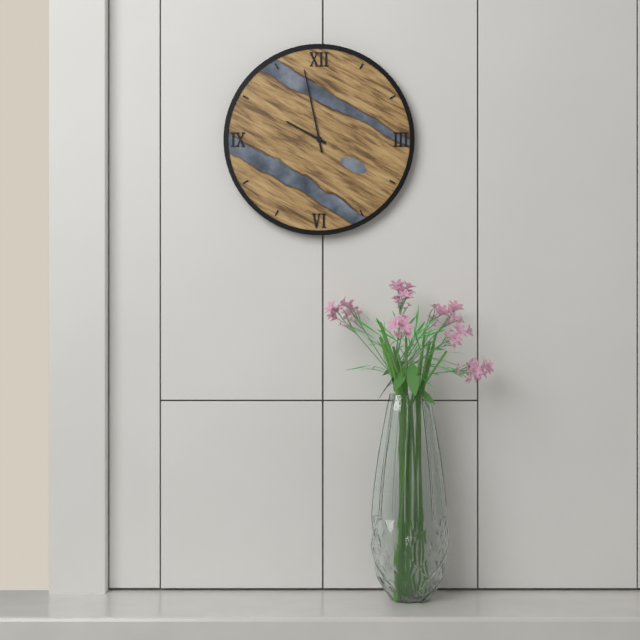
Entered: {"hour": 9, "minute": 58}
